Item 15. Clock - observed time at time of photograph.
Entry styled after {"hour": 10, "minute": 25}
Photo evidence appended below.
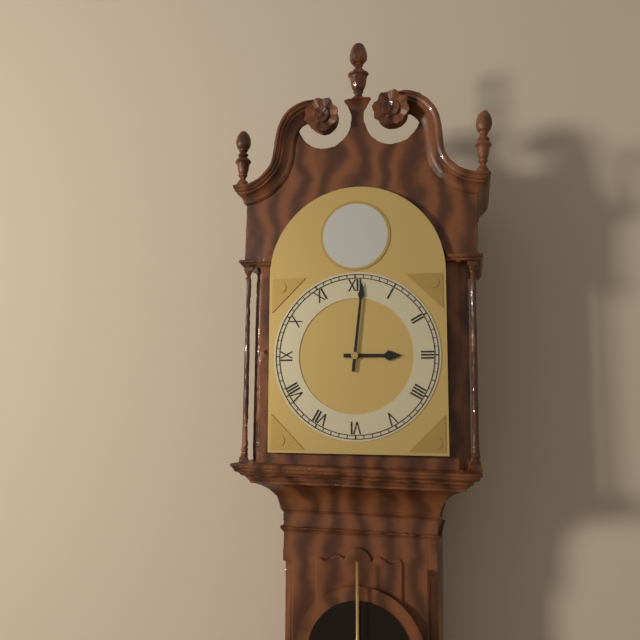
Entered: {"hour": 3, "minute": 1}
